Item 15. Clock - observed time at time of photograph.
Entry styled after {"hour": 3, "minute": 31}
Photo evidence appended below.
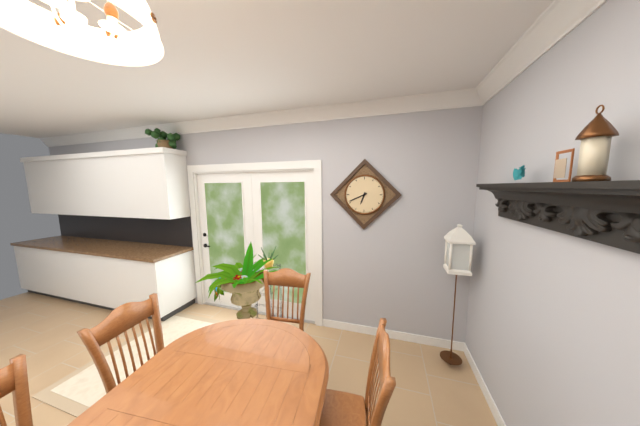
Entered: {"hour": 6, "minute": 41}
